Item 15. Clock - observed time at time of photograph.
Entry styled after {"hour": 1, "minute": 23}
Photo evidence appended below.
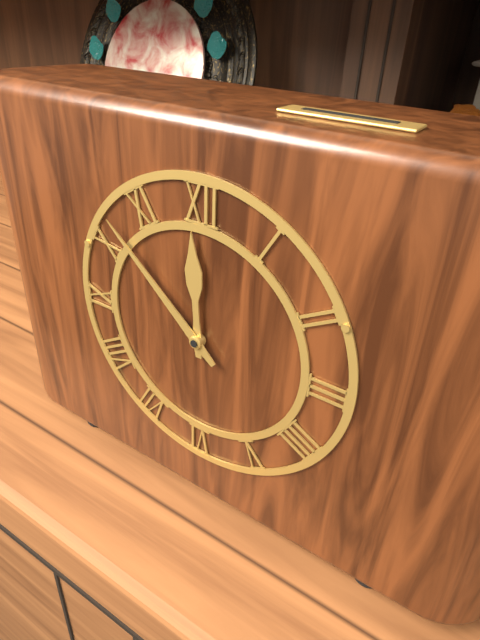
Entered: {"hour": 11, "minute": 52}
